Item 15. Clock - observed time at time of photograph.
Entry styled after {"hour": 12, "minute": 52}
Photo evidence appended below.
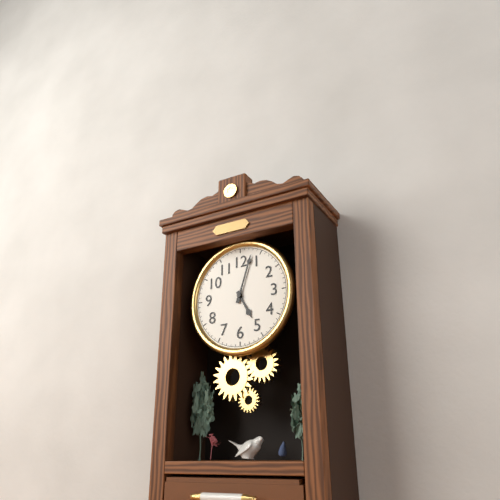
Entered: {"hour": 5, "minute": 3}
